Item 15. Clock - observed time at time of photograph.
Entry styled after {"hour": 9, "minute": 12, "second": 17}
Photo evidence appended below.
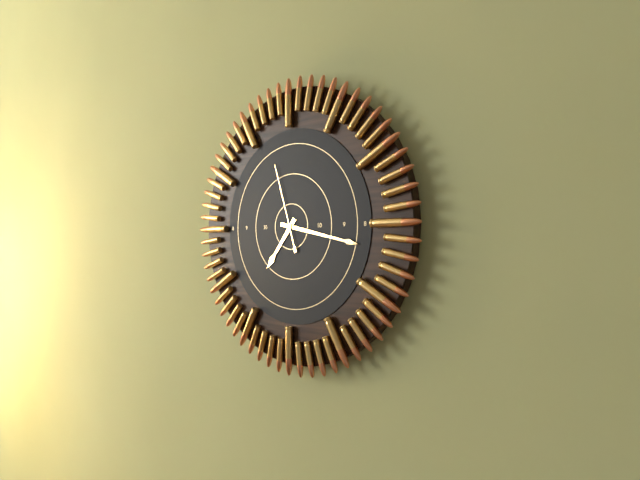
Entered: {"hour": 7, "minute": 17, "second": 57}
